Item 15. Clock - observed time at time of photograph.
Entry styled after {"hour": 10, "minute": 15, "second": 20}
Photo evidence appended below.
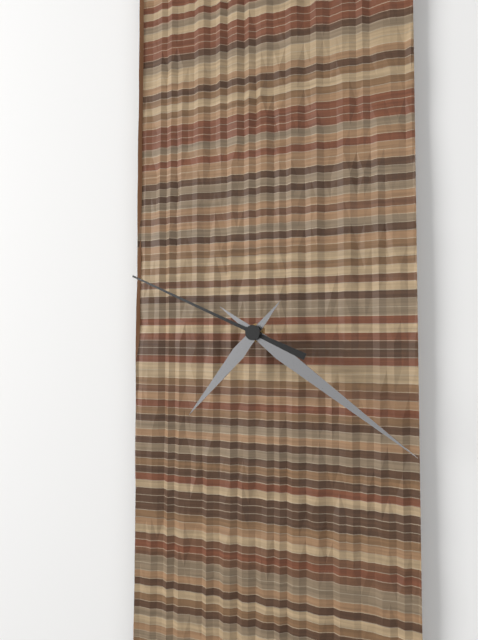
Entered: {"hour": 7, "minute": 21, "second": 49}
